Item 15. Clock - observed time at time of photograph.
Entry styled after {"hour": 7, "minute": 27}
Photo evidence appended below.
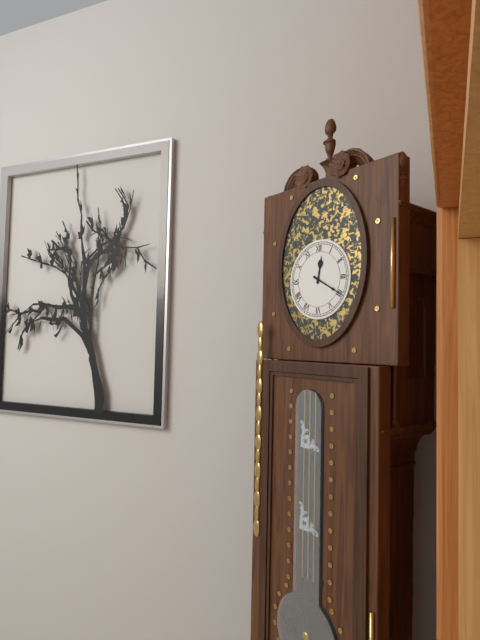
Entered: {"hour": 12, "minute": 20}
